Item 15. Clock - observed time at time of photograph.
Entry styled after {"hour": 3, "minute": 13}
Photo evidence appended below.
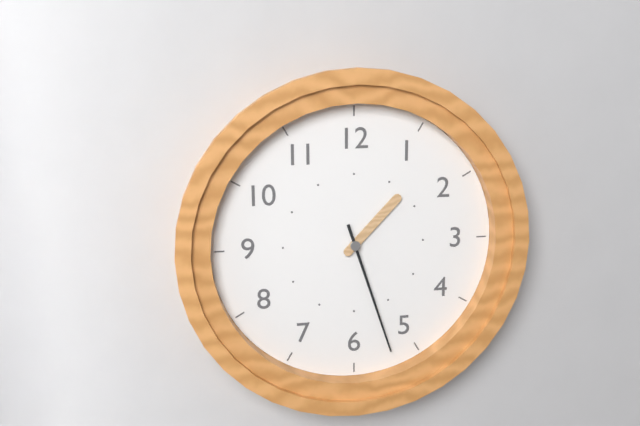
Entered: {"hour": 1, "minute": 27}
